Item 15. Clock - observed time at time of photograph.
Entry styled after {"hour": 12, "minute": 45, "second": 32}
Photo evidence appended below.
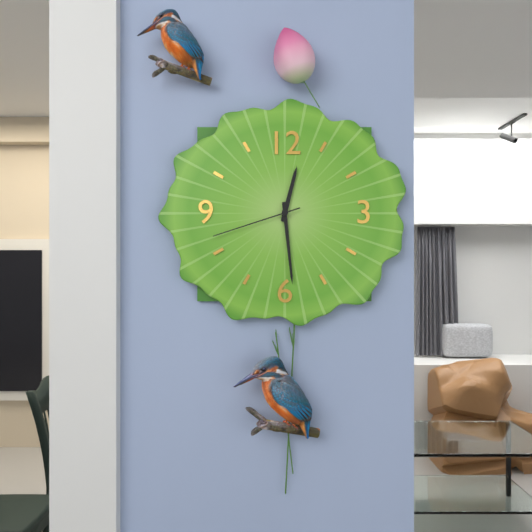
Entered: {"hour": 12, "minute": 29, "second": 42}
